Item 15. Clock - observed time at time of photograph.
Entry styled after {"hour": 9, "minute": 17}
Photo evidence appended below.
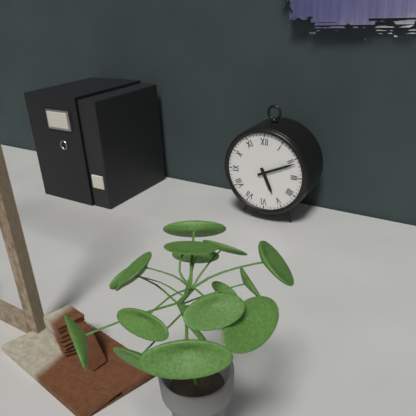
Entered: {"hour": 5, "minute": 11}
